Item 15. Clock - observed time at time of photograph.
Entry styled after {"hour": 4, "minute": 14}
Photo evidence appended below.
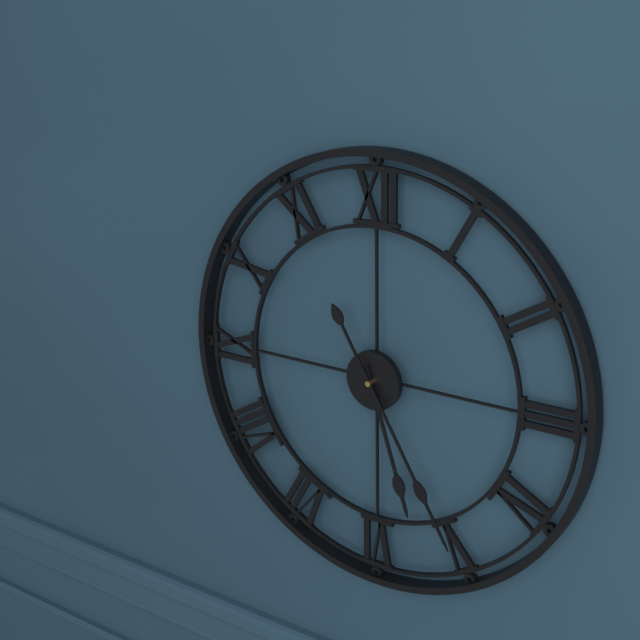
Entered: {"hour": 5, "minute": 25}
